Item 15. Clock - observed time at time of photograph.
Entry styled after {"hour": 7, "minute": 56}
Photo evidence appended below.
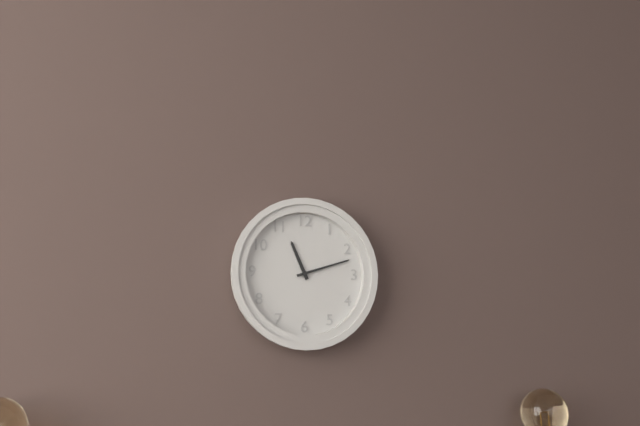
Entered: {"hour": 11, "minute": 12}
